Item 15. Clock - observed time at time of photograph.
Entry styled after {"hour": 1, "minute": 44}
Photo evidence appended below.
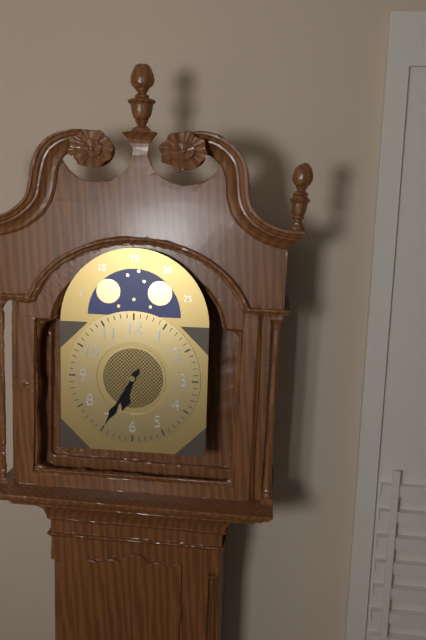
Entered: {"hour": 6, "minute": 35}
